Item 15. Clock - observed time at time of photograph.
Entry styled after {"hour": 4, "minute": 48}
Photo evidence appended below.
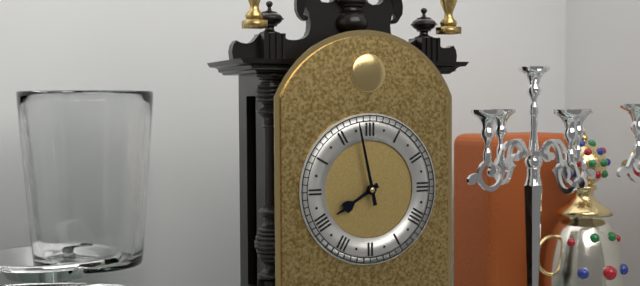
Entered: {"hour": 7, "minute": 58}
